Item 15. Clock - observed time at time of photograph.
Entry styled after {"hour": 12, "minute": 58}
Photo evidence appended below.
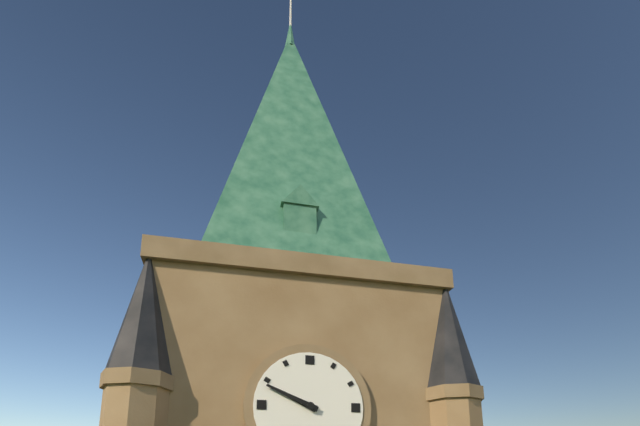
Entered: {"hour": 9, "minute": 49}
